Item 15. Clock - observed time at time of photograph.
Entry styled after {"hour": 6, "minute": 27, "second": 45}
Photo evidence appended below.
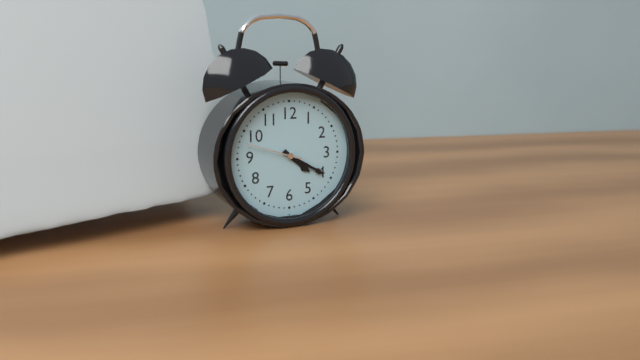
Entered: {"hour": 4, "minute": 20, "second": 48}
